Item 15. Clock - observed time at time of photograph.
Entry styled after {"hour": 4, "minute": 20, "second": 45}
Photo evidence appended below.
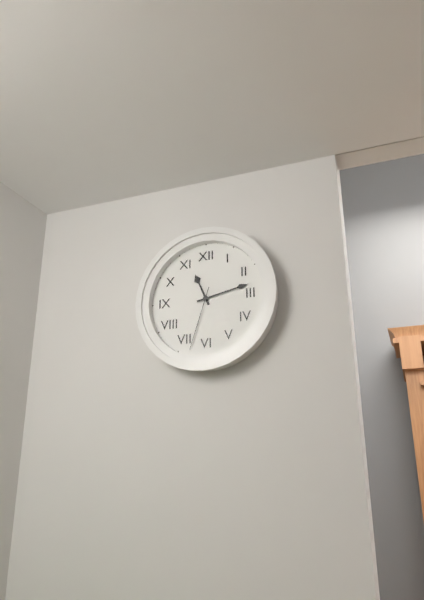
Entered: {"hour": 11, "minute": 13, "second": 33}
